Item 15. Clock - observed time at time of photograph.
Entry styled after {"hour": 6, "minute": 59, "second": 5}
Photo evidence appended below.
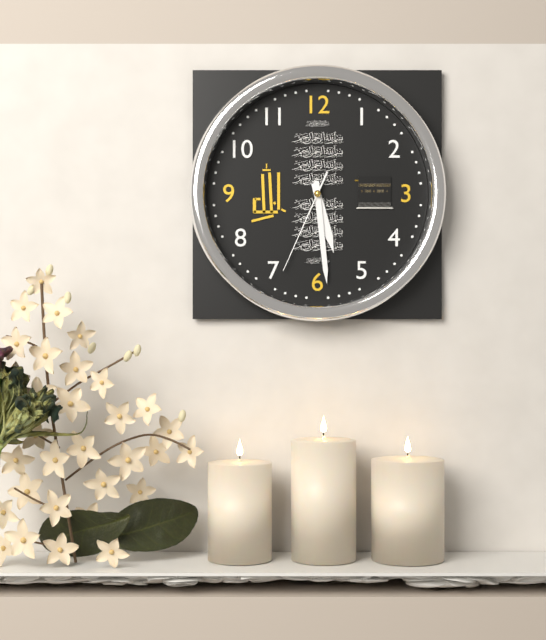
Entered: {"hour": 5, "minute": 29, "second": 34}
